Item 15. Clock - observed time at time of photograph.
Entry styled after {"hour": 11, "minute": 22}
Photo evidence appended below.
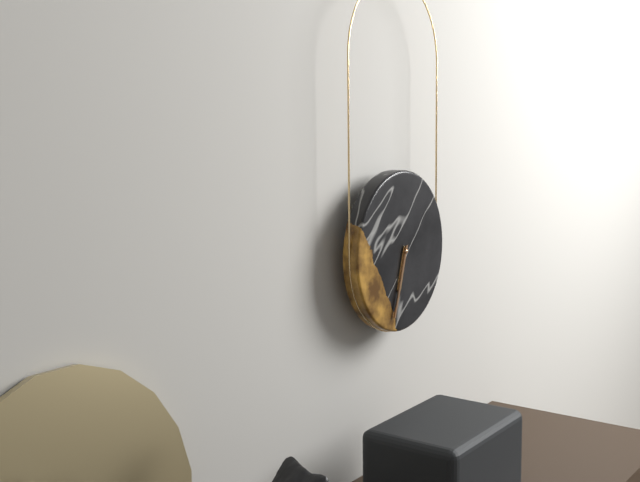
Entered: {"hour": 6, "minute": 33}
